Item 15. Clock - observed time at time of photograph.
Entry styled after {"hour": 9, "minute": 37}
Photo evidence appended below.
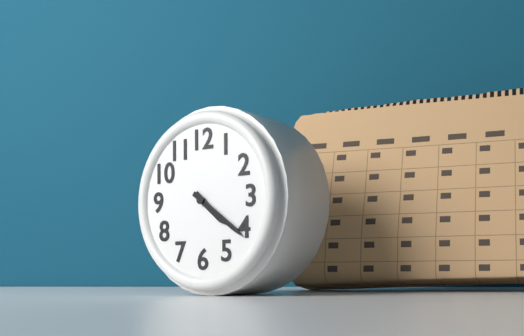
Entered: {"hour": 4, "minute": 21}
